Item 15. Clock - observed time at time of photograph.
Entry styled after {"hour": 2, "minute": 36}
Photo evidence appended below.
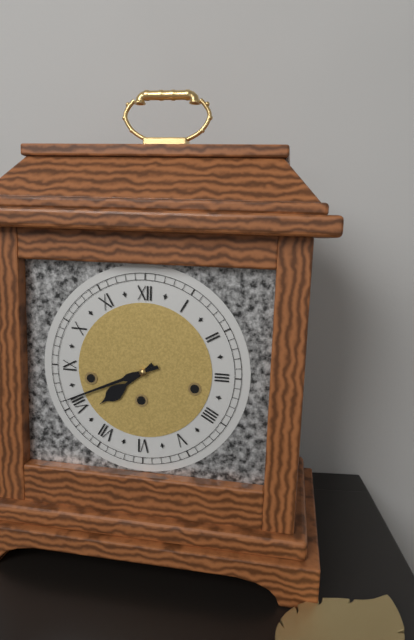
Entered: {"hour": 7, "minute": 41}
